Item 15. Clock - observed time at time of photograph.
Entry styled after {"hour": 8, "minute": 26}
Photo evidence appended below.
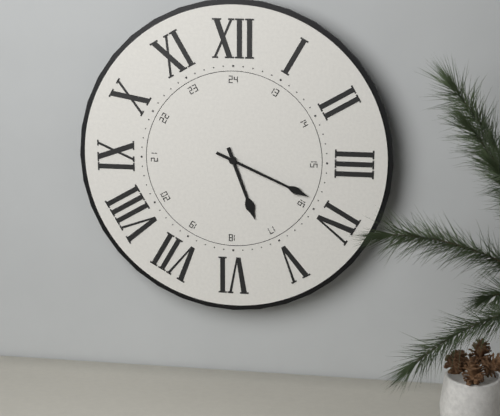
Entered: {"hour": 5, "minute": 19}
